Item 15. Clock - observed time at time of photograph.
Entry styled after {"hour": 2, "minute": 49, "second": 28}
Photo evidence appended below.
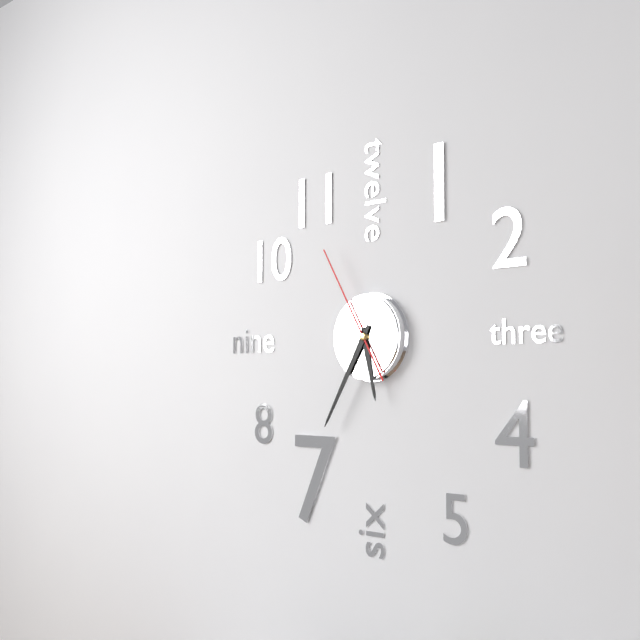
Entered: {"hour": 5, "minute": 35, "second": 55}
